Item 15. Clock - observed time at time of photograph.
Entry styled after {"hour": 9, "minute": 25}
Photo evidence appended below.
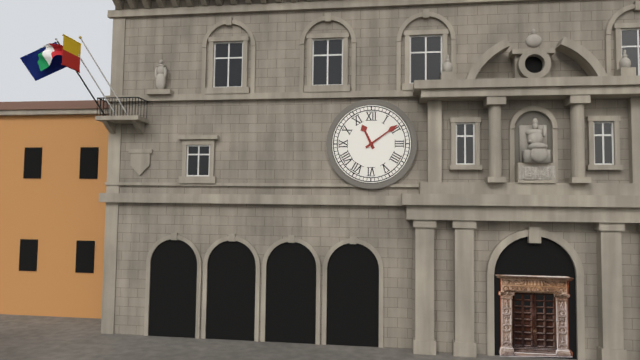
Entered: {"hour": 11, "minute": 9}
